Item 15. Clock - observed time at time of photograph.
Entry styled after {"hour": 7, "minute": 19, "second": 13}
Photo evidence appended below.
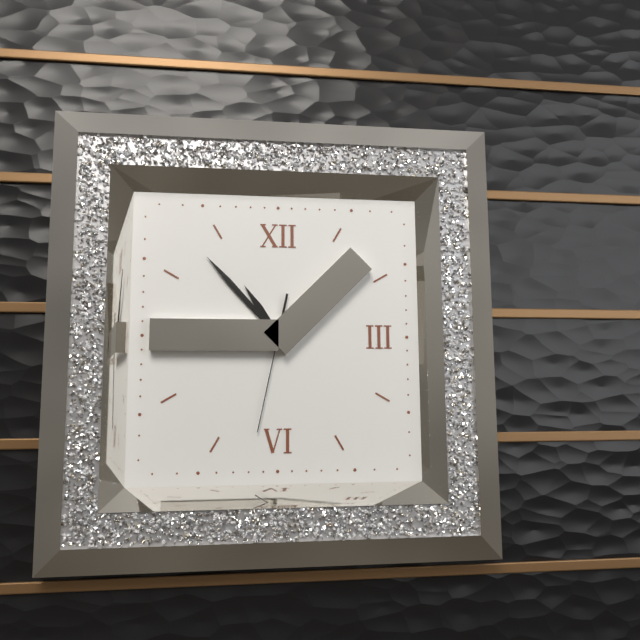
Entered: {"hour": 10, "minute": 53, "second": 32}
